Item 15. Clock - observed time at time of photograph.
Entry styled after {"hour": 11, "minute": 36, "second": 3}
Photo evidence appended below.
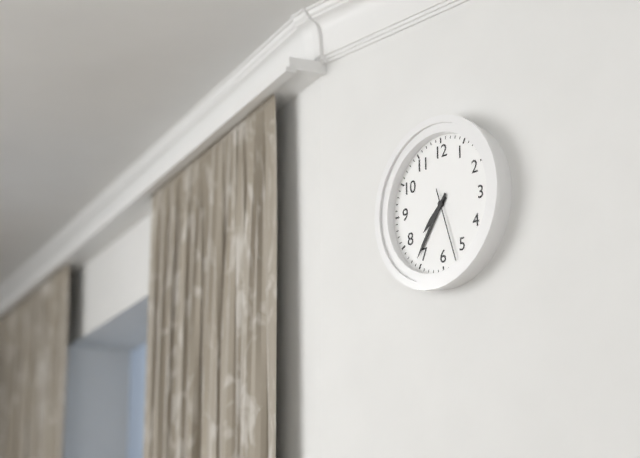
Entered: {"hour": 7, "minute": 36, "second": 27}
